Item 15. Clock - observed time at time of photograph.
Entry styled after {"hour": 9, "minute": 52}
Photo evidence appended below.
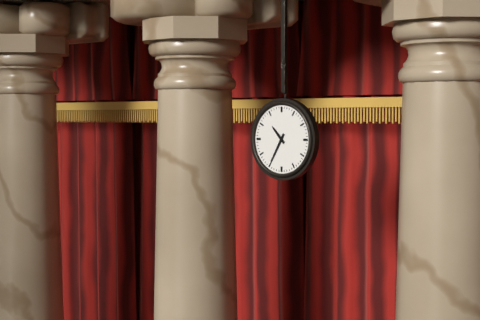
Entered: {"hour": 10, "minute": 35}
